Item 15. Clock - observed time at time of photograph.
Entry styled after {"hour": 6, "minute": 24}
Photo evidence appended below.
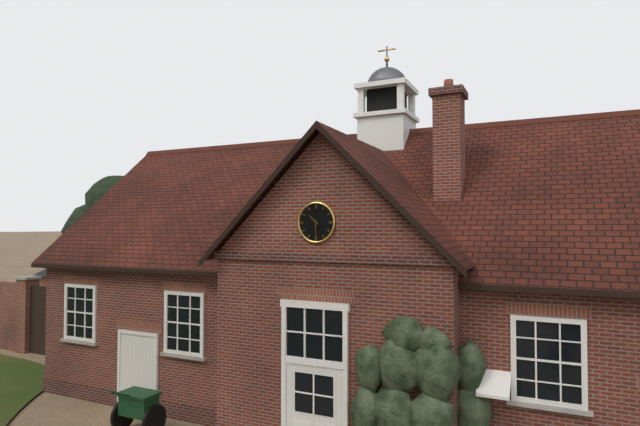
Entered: {"hour": 10, "minute": 30}
